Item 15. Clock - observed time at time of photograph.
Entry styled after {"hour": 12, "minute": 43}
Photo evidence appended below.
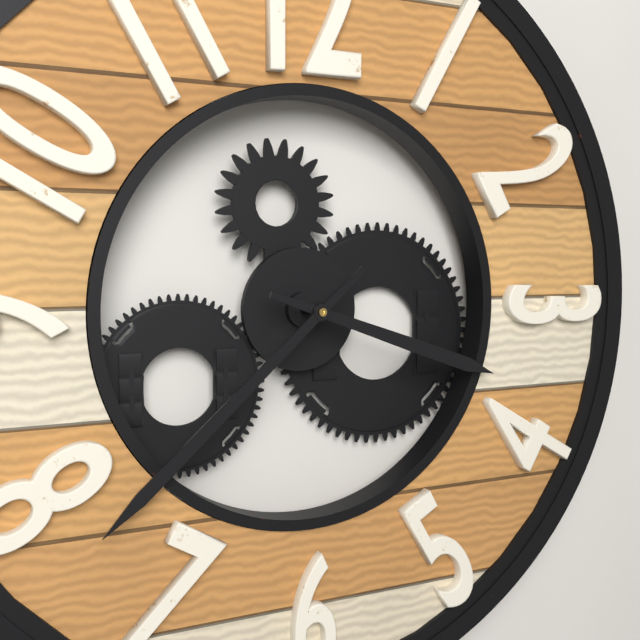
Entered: {"hour": 3, "minute": 38}
